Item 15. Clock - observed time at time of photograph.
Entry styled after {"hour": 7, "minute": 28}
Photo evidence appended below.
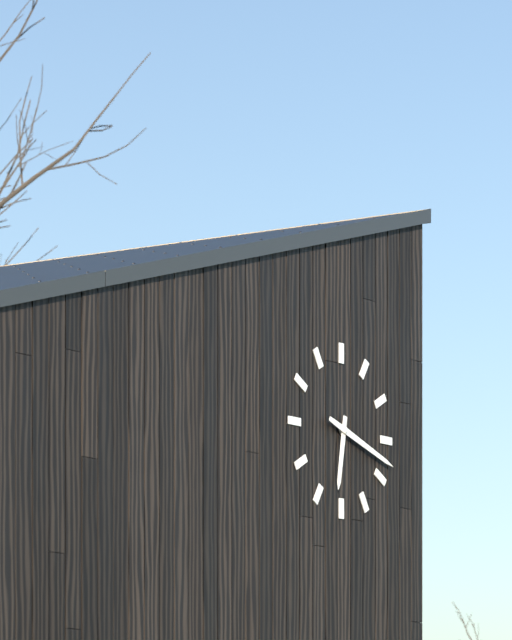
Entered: {"hour": 6, "minute": 18}
